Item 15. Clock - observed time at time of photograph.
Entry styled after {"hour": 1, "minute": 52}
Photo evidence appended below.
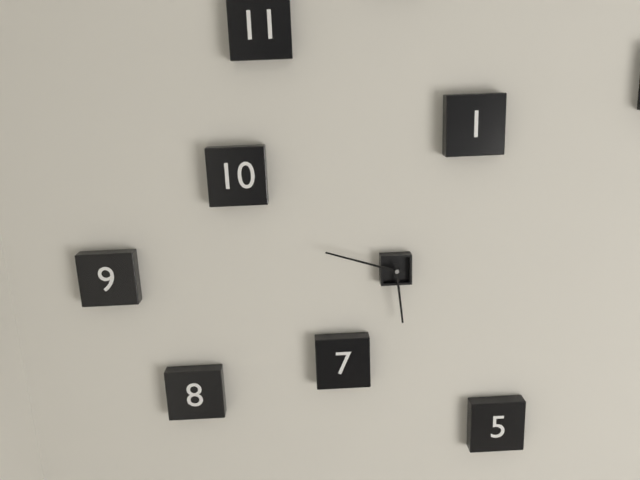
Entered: {"hour": 5, "minute": 48}
